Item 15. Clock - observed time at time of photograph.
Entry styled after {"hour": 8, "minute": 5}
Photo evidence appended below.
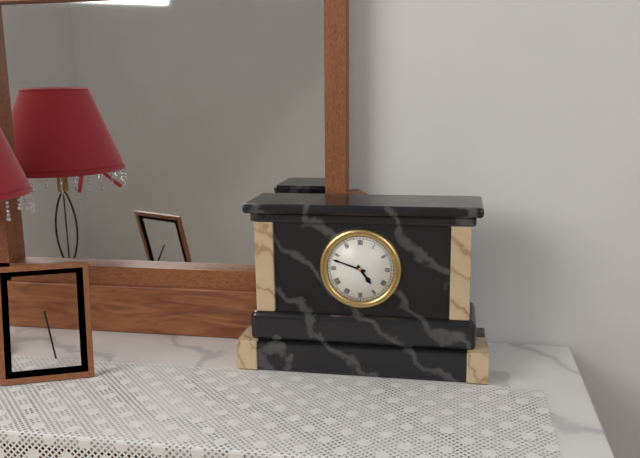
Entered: {"hour": 4, "minute": 48}
